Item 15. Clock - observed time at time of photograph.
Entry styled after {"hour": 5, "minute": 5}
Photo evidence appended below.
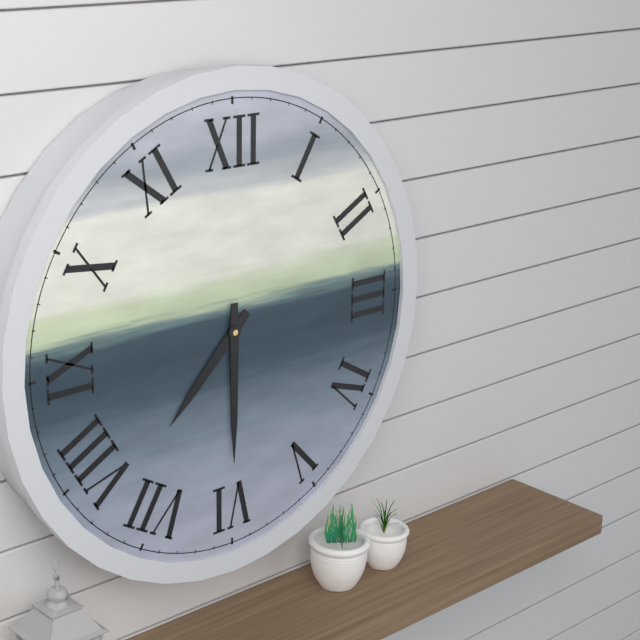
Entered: {"hour": 7, "minute": 30}
